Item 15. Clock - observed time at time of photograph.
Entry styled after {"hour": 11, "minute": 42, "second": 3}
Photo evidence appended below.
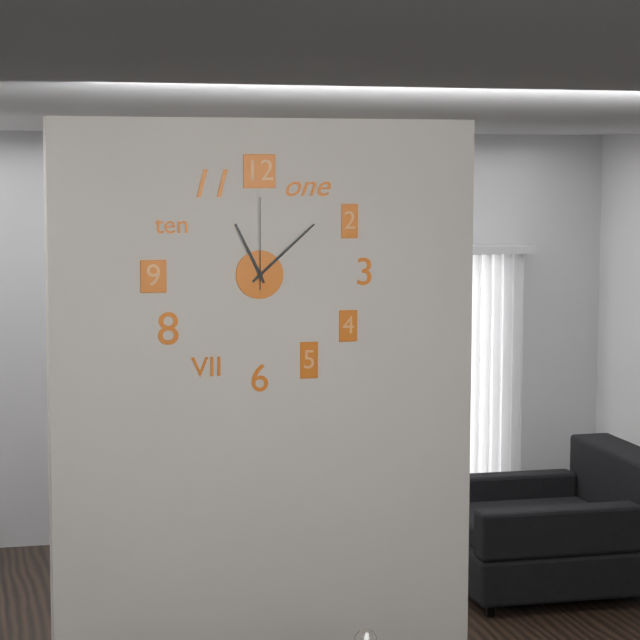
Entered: {"hour": 11, "minute": 8, "second": 0}
